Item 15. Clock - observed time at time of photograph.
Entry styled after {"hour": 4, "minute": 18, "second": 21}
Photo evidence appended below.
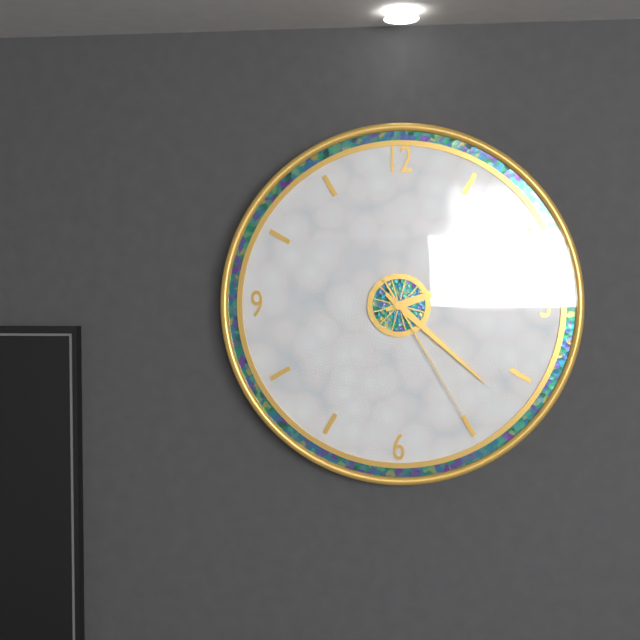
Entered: {"hour": 2, "minute": 22, "second": 25}
